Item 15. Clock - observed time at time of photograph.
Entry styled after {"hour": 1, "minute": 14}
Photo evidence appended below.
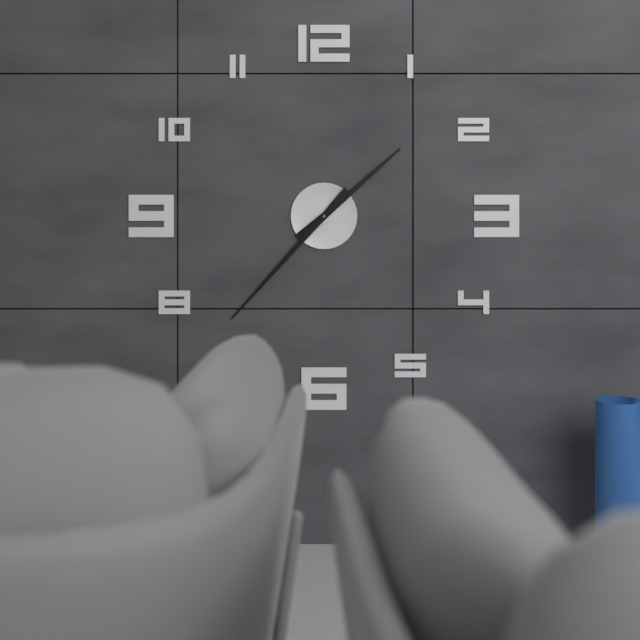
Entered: {"hour": 1, "minute": 37}
